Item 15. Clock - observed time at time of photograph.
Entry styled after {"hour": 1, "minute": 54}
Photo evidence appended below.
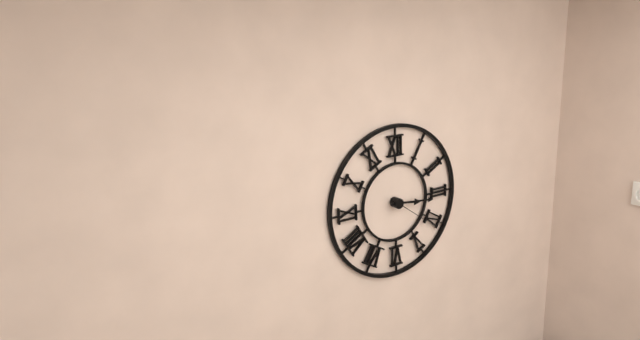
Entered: {"hour": 3, "minute": 16}
